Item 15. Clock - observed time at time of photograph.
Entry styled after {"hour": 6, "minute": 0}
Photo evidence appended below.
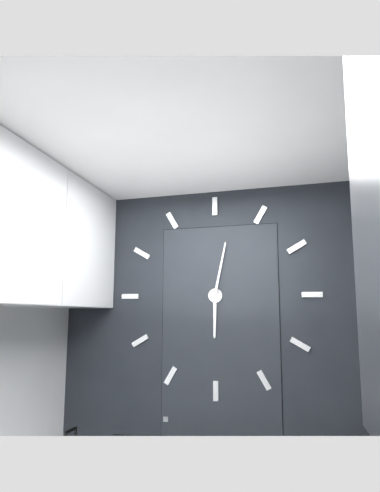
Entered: {"hour": 6, "minute": 2}
